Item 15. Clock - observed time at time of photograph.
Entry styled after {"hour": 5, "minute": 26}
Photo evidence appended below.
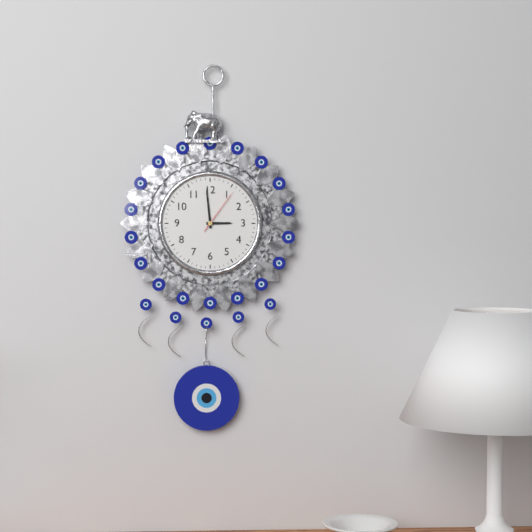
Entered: {"hour": 2, "minute": 59}
